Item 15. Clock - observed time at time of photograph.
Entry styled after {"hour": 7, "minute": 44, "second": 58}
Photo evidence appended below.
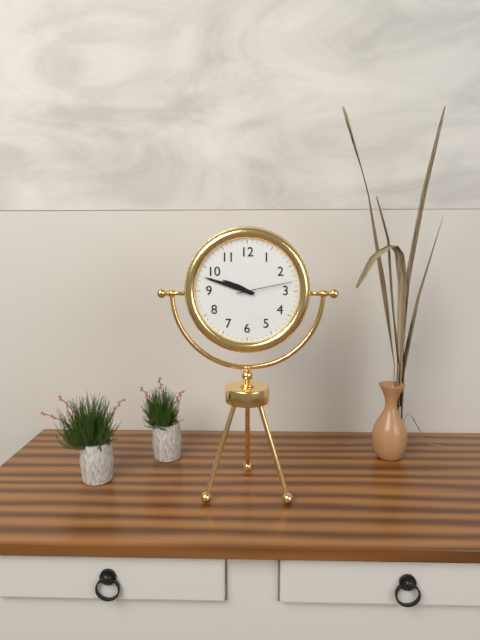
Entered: {"hour": 9, "minute": 48, "second": 13}
